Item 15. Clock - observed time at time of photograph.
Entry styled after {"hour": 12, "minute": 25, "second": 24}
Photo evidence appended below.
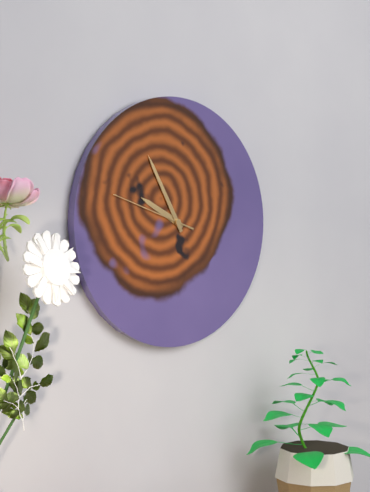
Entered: {"hour": 9, "minute": 55, "second": 48}
